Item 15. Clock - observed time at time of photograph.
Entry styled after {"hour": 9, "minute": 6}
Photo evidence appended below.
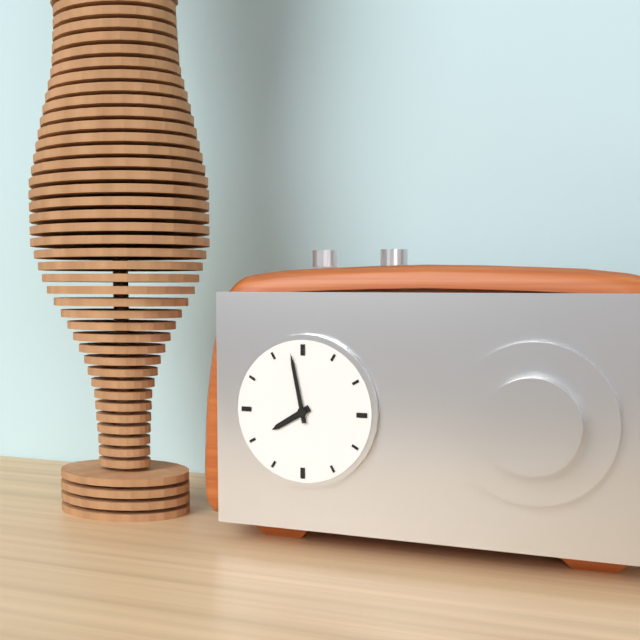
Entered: {"hour": 7, "minute": 58}
